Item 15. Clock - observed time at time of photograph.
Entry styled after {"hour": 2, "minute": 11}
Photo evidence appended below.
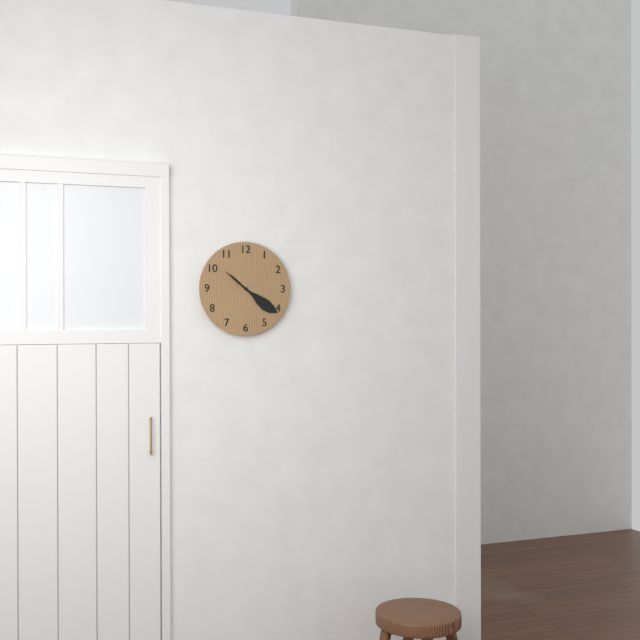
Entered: {"hour": 10, "minute": 21}
